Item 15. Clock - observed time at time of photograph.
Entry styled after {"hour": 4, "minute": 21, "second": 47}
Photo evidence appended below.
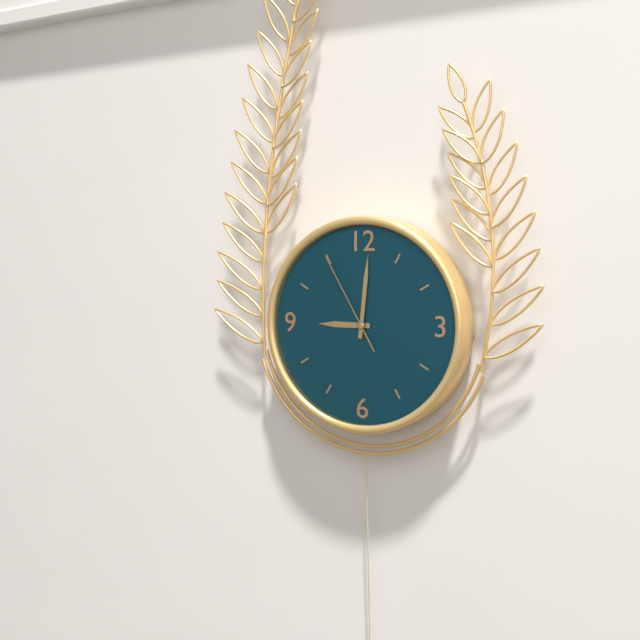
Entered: {"hour": 9, "minute": 1, "second": 55}
